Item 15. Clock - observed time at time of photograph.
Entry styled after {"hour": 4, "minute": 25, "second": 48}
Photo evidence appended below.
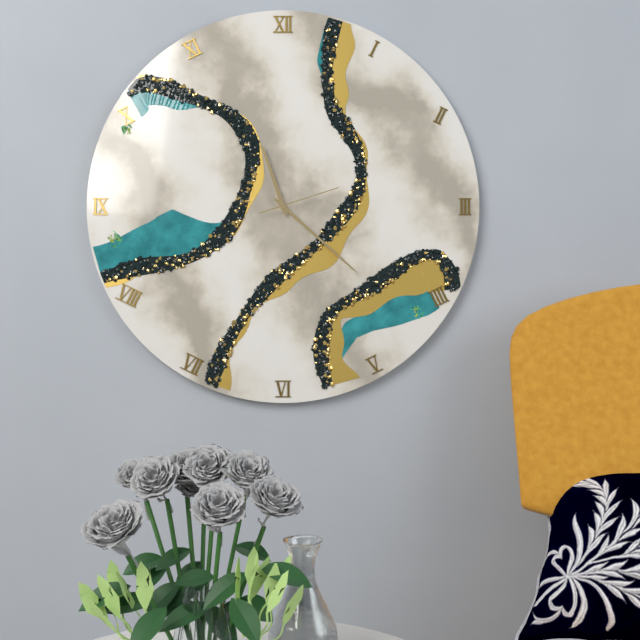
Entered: {"hour": 11, "minute": 22, "second": 12}
